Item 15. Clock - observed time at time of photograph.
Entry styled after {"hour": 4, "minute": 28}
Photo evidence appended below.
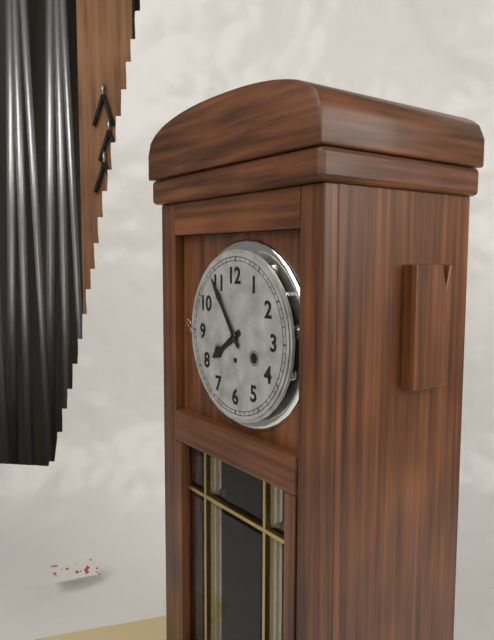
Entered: {"hour": 7, "minute": 54}
